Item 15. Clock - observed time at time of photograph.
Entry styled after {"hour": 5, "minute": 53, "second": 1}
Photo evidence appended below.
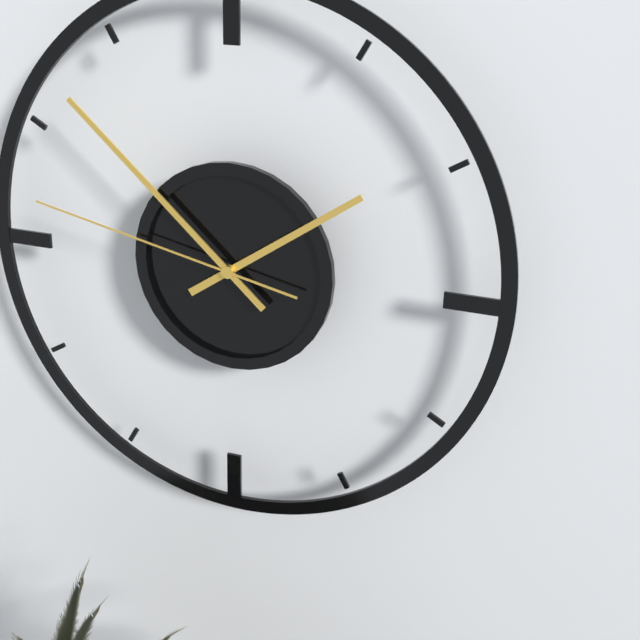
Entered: {"hour": 1, "minute": 52, "second": 47}
